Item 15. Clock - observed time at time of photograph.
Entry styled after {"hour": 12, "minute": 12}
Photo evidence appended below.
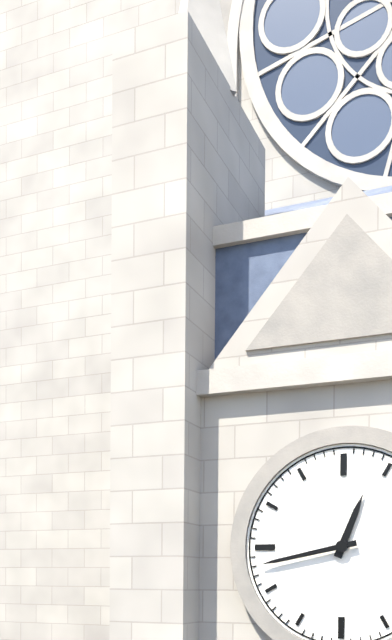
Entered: {"hour": 12, "minute": 43}
